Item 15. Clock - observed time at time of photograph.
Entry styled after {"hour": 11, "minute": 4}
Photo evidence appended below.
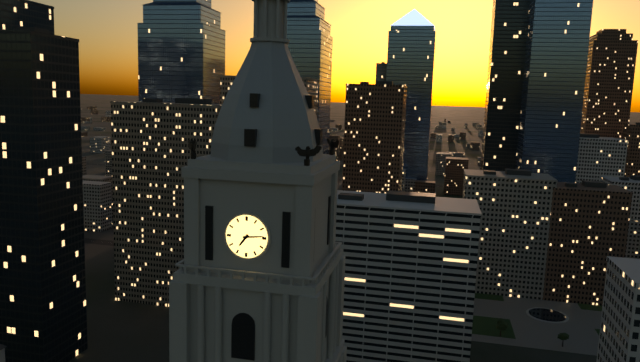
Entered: {"hour": 7, "minute": 14}
